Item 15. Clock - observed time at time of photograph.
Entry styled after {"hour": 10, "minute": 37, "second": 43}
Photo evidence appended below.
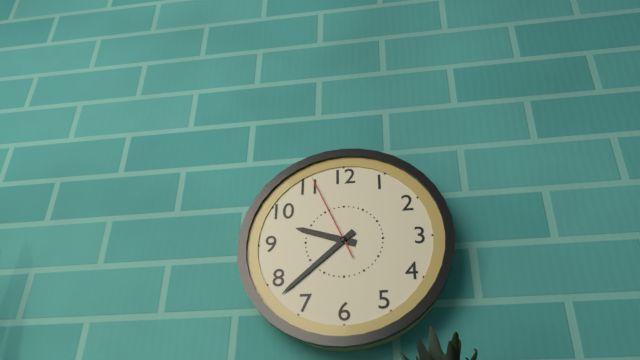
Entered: {"hour": 9, "minute": 38, "second": 56}
